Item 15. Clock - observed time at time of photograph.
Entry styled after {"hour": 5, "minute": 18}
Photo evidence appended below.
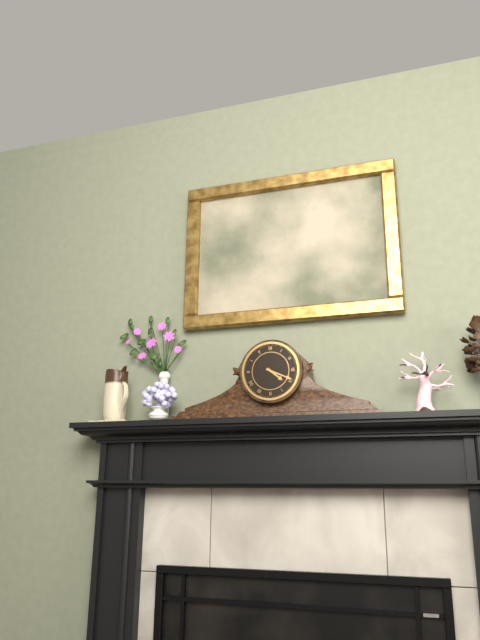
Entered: {"hour": 4, "minute": 19}
